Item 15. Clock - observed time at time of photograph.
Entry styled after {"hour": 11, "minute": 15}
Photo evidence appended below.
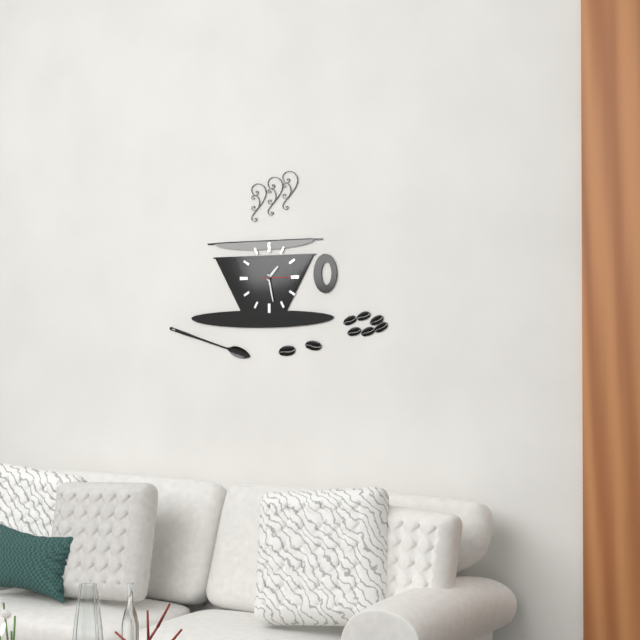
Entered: {"hour": 1, "minute": 28}
